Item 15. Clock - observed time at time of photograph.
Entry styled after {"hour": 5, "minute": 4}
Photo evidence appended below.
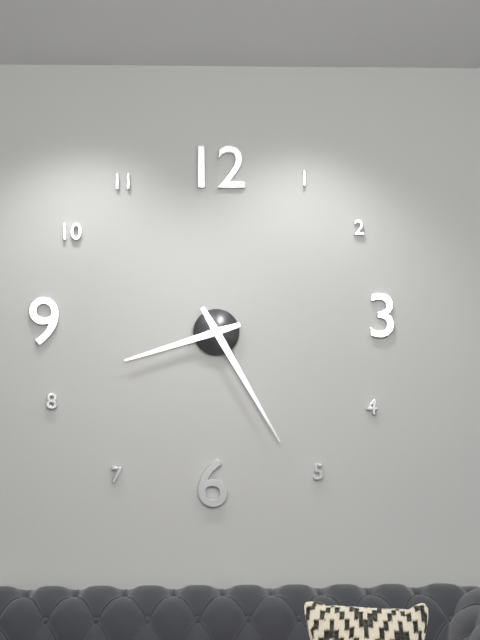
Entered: {"hour": 8, "minute": 25}
